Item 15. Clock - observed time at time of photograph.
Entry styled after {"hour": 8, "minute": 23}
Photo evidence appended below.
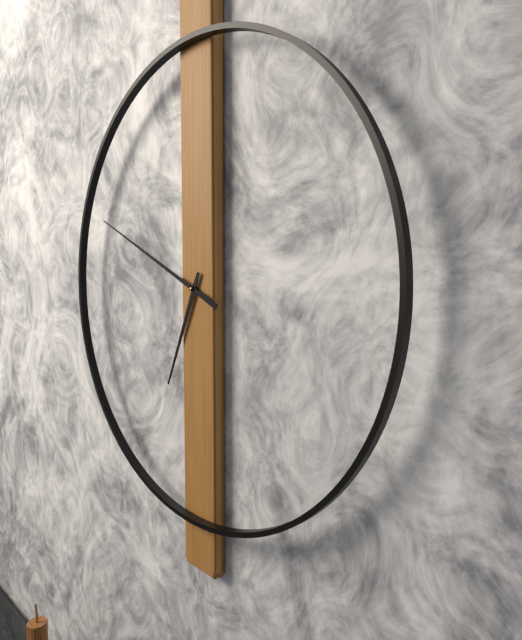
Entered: {"hour": 6, "minute": 49}
